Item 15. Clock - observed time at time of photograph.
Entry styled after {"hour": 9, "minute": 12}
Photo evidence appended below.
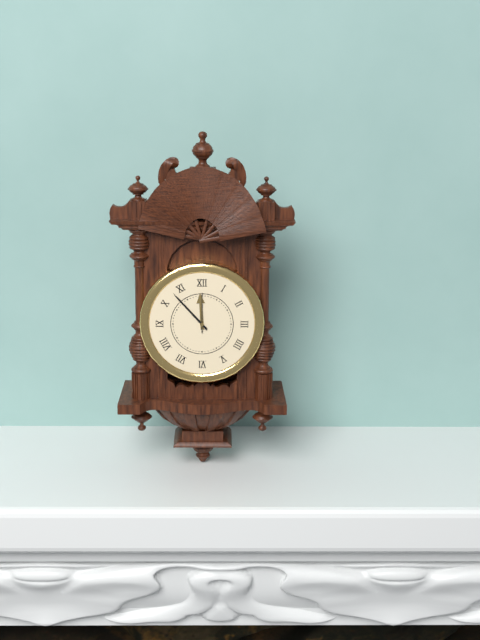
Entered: {"hour": 11, "minute": 53}
